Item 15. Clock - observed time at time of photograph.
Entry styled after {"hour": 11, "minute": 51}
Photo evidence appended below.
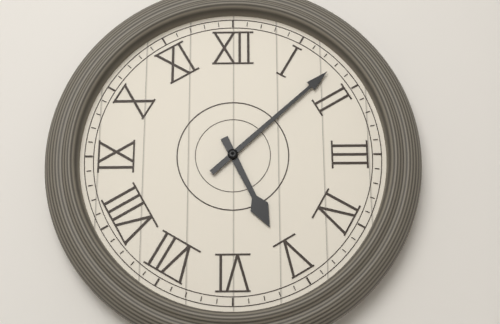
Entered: {"hour": 5, "minute": 8}
